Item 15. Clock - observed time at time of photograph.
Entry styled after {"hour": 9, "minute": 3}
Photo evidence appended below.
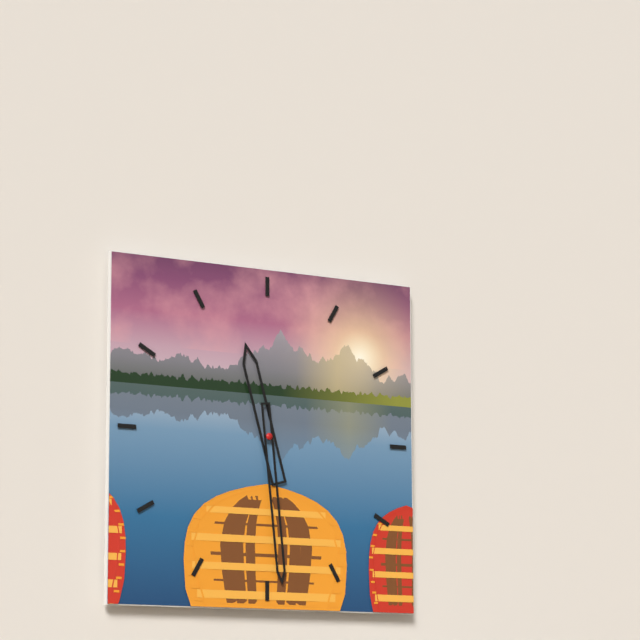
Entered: {"hour": 11, "minute": 29}
